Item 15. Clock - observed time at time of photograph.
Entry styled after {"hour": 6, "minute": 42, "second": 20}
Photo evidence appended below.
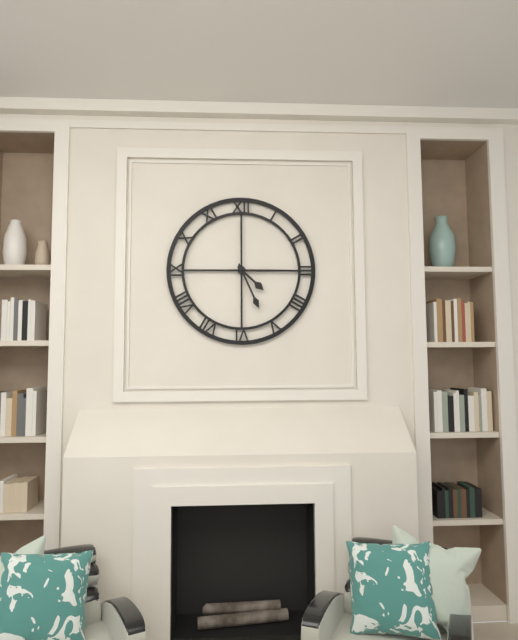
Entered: {"hour": 4, "minute": 26, "second": 15}
